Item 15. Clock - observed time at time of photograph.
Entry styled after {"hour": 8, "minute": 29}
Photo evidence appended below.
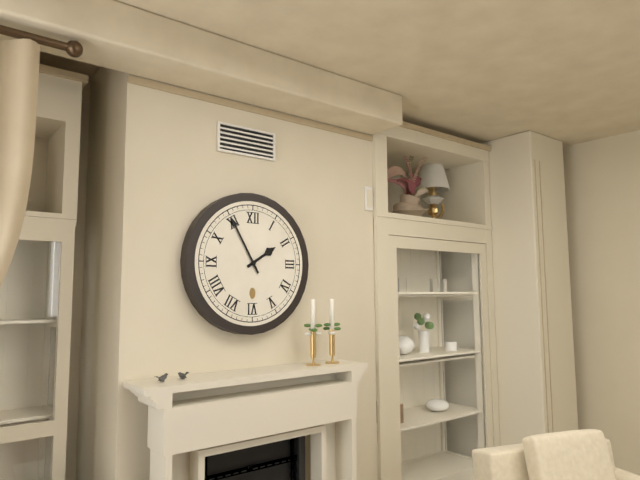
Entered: {"hour": 1, "minute": 55}
